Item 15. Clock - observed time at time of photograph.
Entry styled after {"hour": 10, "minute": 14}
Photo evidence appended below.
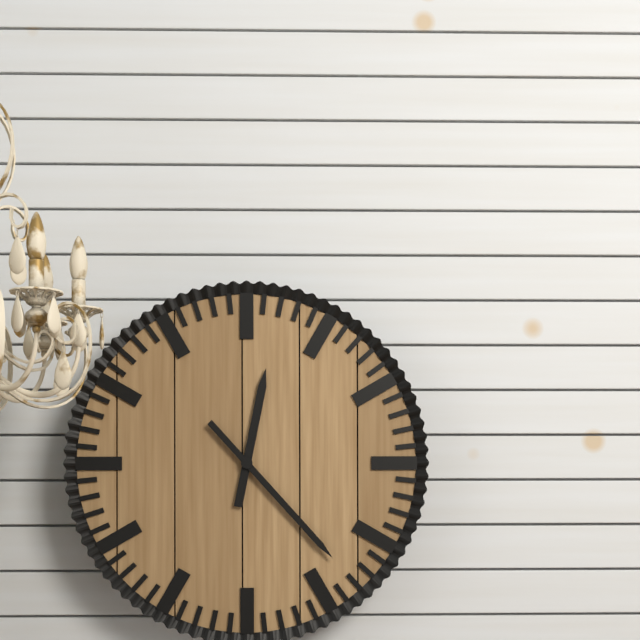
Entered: {"hour": 12, "minute": 23}
